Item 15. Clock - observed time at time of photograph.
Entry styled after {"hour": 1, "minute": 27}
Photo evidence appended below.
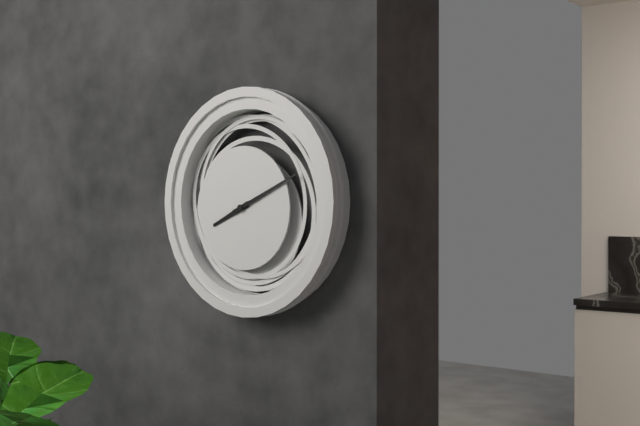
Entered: {"hour": 8, "minute": 11}
